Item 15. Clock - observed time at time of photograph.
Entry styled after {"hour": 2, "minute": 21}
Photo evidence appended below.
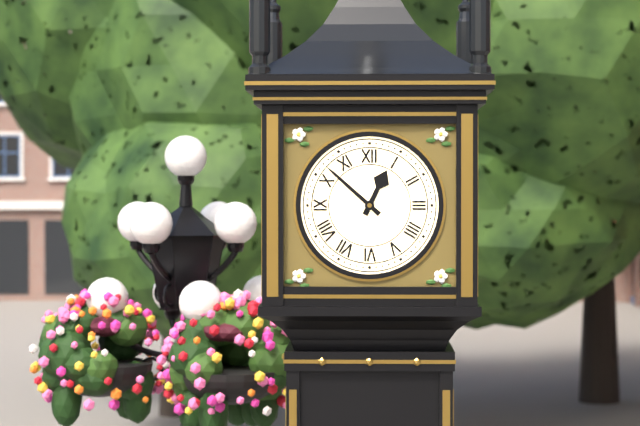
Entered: {"hour": 12, "minute": 52}
